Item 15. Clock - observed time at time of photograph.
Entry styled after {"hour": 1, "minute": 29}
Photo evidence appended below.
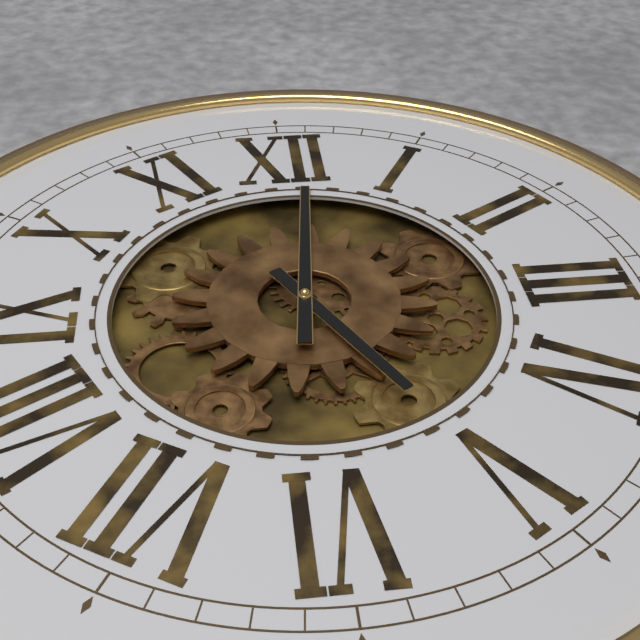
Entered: {"hour": 5, "minute": 1}
